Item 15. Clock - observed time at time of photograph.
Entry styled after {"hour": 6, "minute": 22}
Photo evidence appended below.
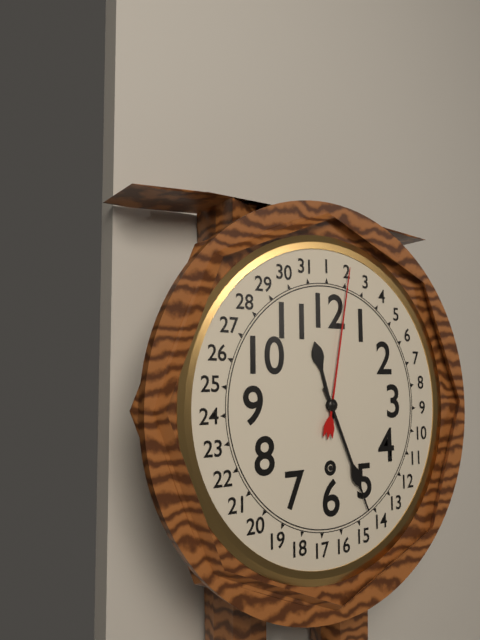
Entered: {"hour": 11, "minute": 26}
